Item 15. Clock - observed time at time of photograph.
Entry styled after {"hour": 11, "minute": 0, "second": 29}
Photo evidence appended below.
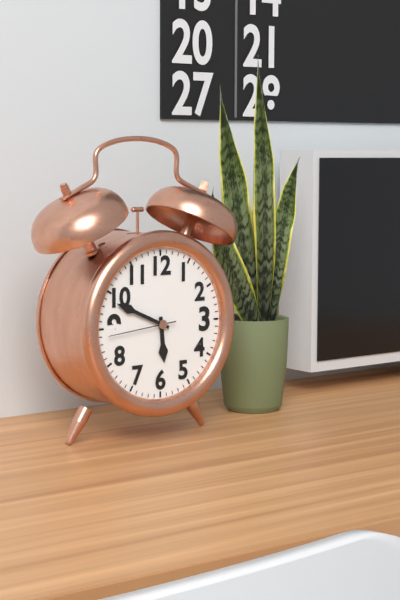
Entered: {"hour": 5, "minute": 49, "second": 44}
